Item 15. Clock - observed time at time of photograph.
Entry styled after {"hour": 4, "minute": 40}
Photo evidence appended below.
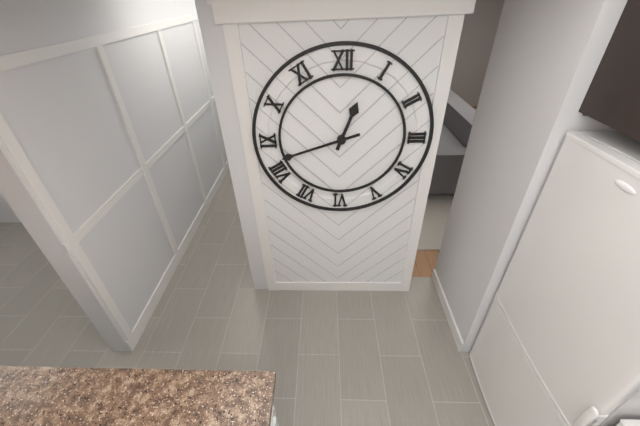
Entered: {"hour": 12, "minute": 42}
